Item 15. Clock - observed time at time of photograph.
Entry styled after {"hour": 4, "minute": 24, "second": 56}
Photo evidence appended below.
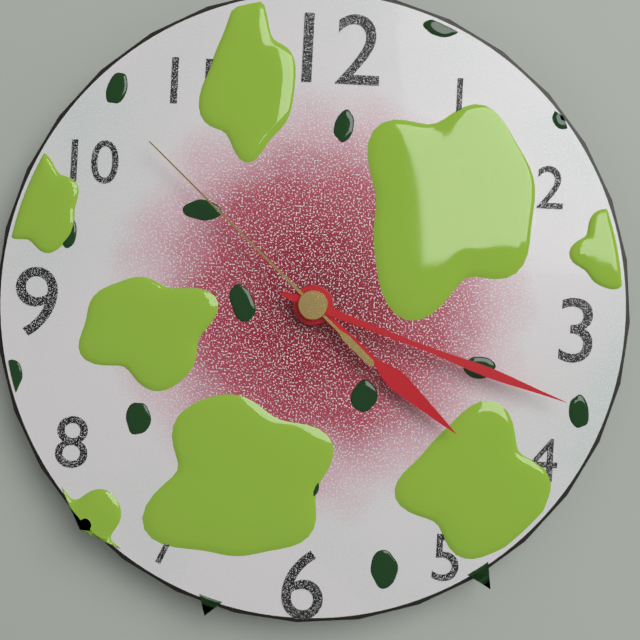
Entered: {"hour": 4, "minute": 18, "second": 52}
